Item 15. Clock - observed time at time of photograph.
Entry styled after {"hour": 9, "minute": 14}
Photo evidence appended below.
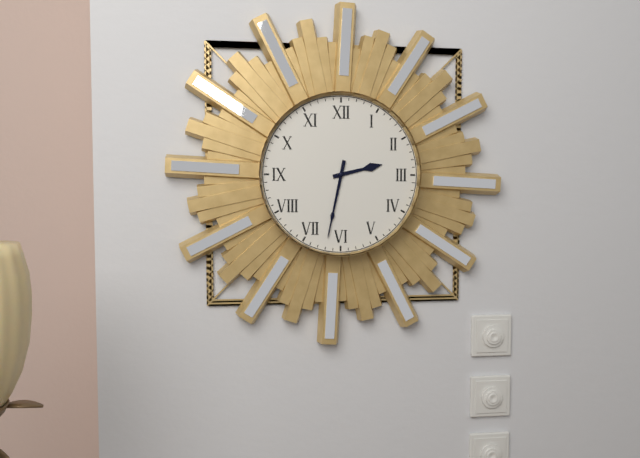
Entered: {"hour": 2, "minute": 32}
